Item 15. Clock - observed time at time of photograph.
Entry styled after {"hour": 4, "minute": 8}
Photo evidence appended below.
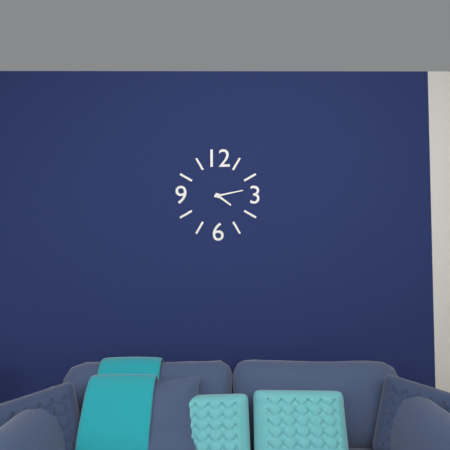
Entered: {"hour": 4, "minute": 13}
